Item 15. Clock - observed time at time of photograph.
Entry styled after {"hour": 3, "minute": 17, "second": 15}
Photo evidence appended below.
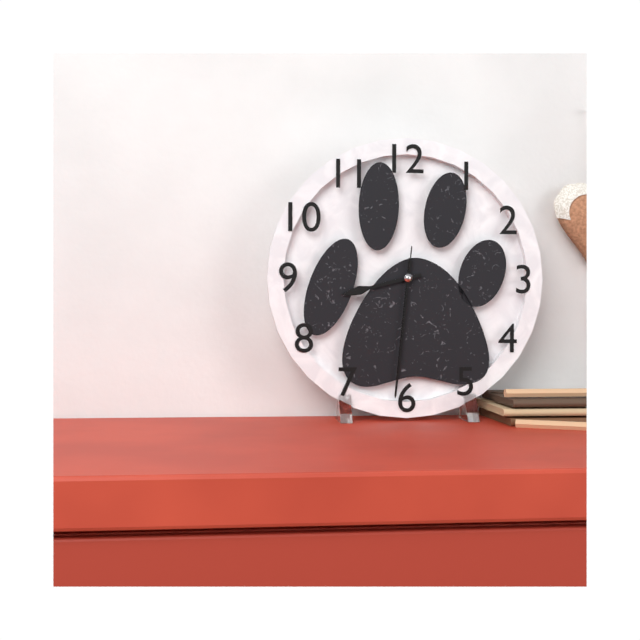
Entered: {"hour": 8, "minute": 31, "second": 31}
